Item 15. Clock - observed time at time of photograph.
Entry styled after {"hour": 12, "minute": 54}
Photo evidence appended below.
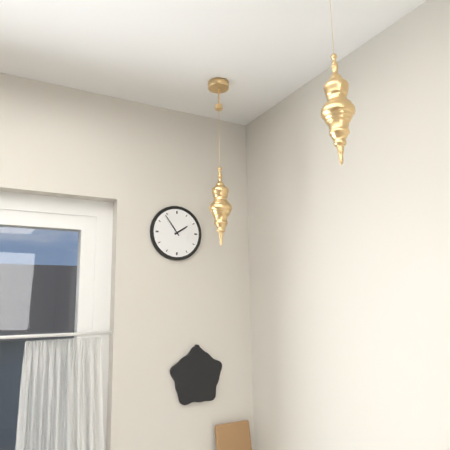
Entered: {"hour": 1, "minute": 54}
